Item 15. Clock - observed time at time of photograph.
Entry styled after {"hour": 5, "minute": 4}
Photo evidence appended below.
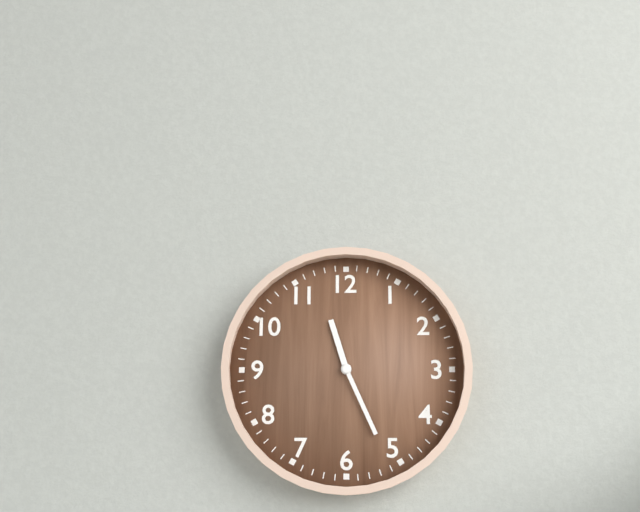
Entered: {"hour": 11, "minute": 26}
